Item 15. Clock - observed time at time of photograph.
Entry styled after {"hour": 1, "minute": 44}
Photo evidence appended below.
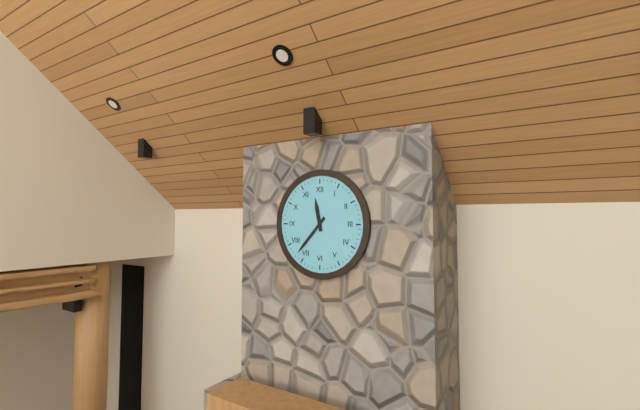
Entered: {"hour": 11, "minute": 37}
